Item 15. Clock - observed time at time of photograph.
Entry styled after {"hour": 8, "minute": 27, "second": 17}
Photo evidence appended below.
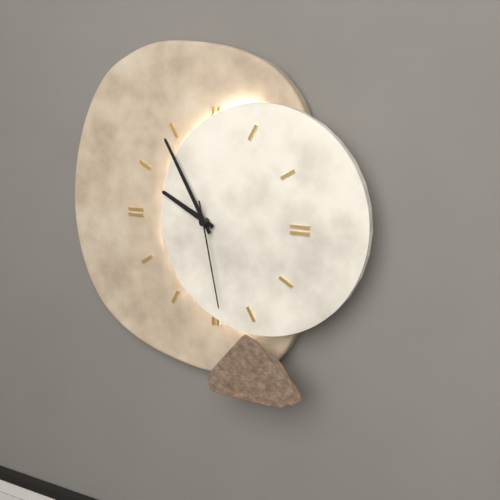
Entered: {"hour": 9, "minute": 55, "second": 28}
